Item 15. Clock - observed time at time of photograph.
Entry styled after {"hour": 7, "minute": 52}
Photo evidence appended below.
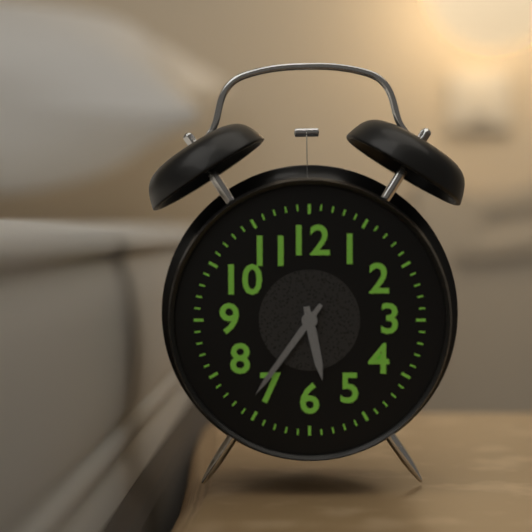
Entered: {"hour": 5, "minute": 36}
